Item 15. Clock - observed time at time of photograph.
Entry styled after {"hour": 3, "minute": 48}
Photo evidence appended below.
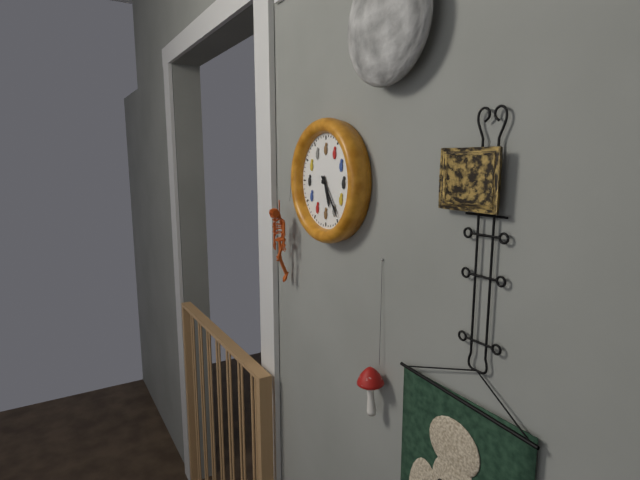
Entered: {"hour": 5, "minute": 24}
